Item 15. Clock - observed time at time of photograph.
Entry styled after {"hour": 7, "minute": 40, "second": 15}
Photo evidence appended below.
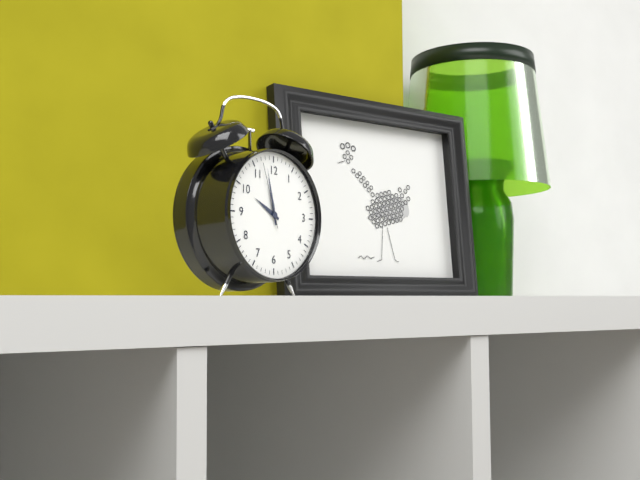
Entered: {"hour": 9, "minute": 58, "second": 57}
